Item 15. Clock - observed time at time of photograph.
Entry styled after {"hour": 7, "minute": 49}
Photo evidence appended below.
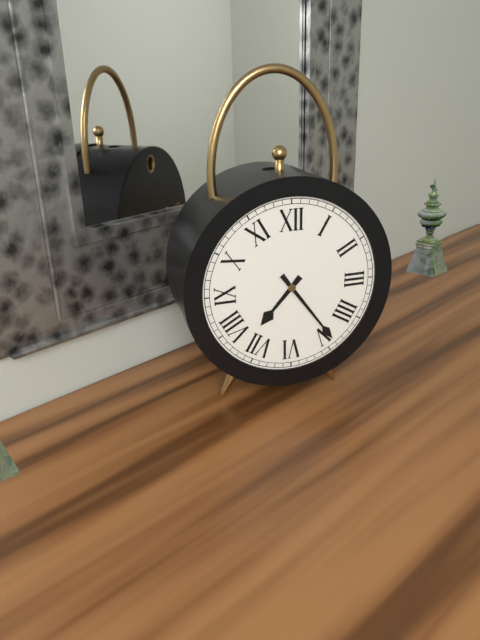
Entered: {"hour": 7, "minute": 24}
